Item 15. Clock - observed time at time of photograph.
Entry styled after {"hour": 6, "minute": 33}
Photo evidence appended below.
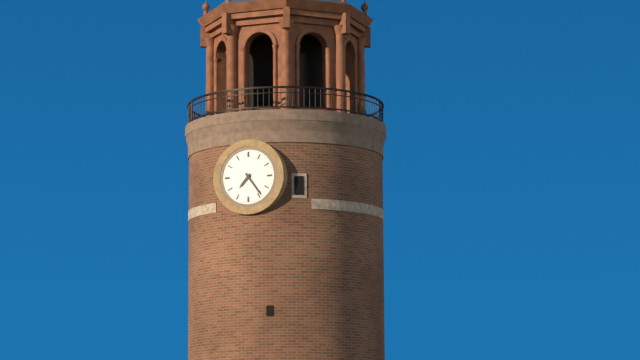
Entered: {"hour": 7, "minute": 24}
